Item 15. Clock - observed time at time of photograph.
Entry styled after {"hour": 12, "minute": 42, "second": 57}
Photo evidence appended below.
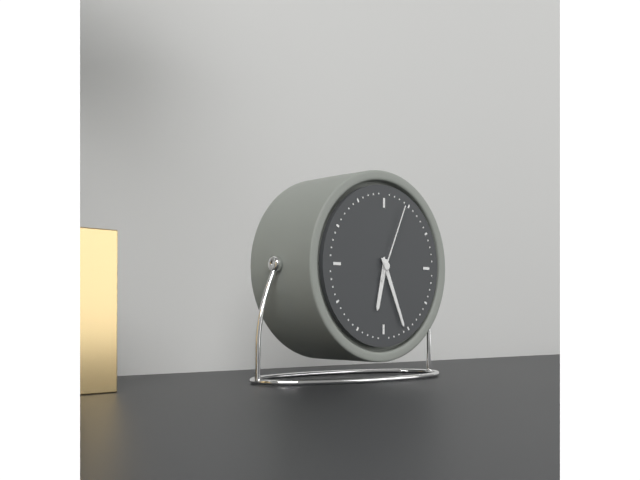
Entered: {"hour": 6, "minute": 26, "second": 4}
